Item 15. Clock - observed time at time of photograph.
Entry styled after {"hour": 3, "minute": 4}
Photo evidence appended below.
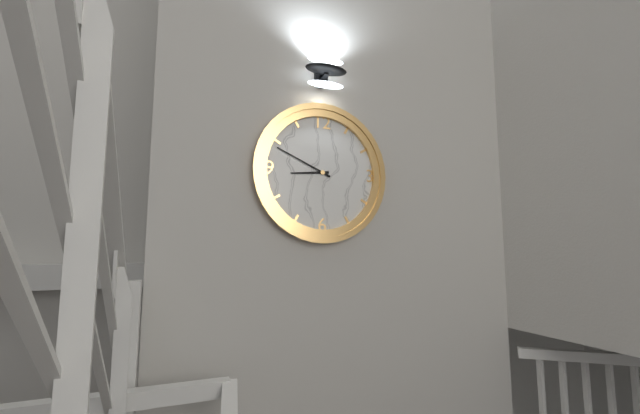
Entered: {"hour": 8, "minute": 49}
